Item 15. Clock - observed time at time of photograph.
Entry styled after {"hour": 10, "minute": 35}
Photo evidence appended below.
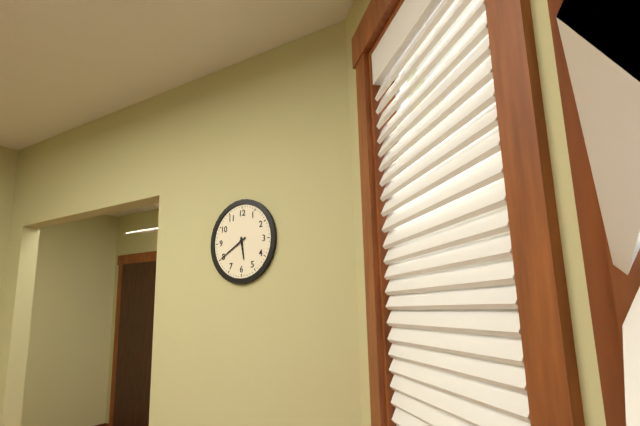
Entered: {"hour": 5, "minute": 40}
